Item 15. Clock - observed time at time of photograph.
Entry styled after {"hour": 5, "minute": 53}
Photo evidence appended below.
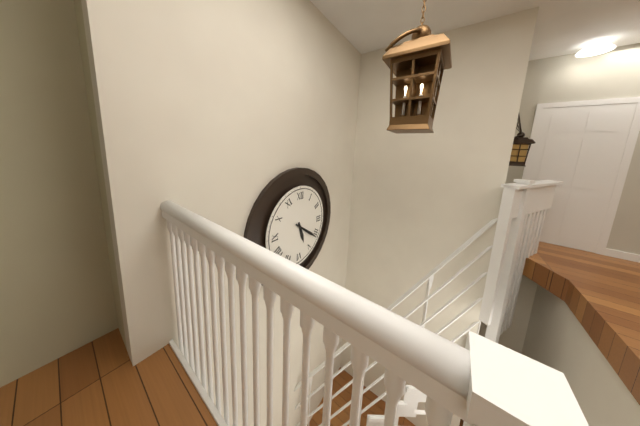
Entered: {"hour": 5, "minute": 21}
